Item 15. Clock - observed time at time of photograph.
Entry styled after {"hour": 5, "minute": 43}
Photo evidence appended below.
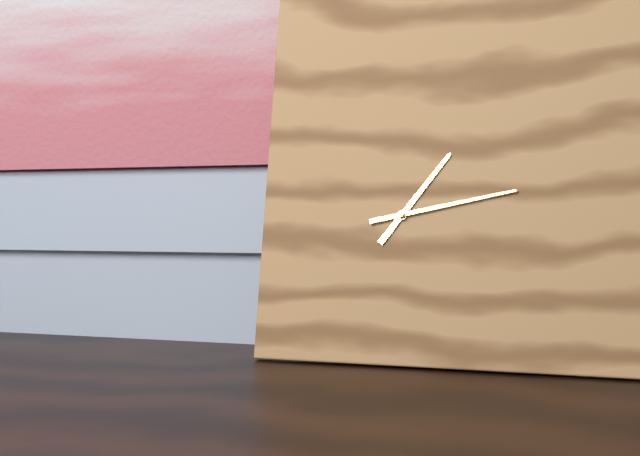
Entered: {"hour": 1, "minute": 13}
